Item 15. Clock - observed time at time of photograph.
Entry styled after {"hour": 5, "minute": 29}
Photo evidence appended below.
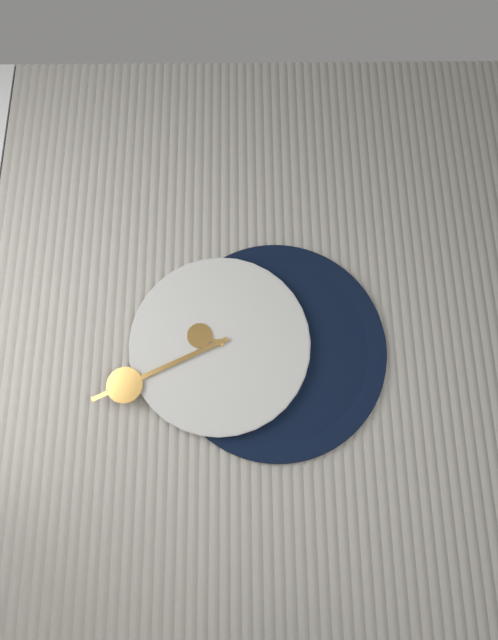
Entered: {"hour": 9, "minute": 41}
